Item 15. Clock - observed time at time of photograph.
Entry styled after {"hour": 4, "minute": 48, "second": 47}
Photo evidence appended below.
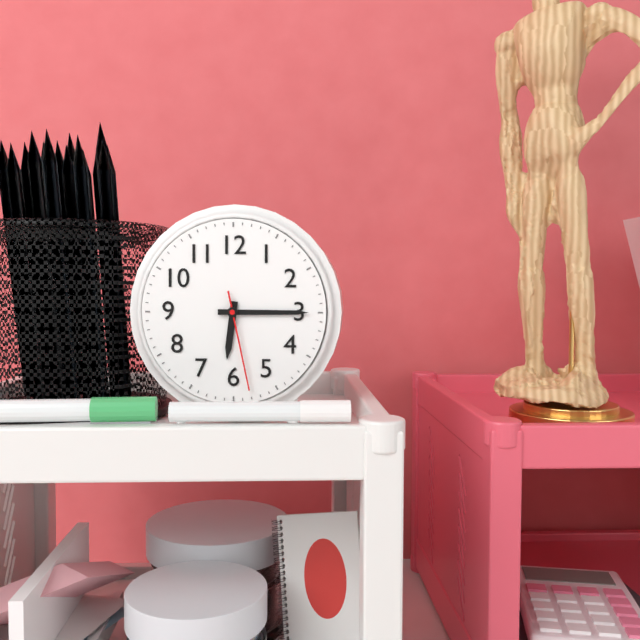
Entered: {"hour": 6, "minute": 15, "second": 28}
